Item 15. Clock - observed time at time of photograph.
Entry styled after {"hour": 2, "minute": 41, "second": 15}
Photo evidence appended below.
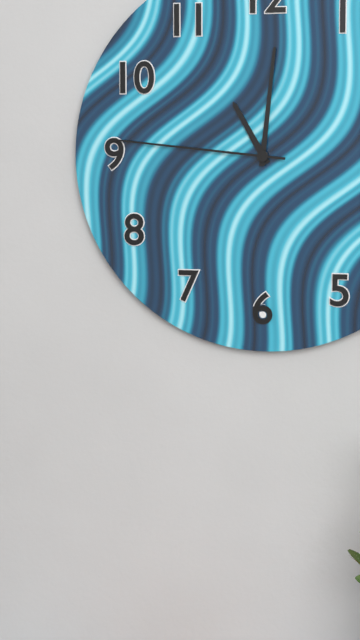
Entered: {"hour": 11, "minute": 1, "second": 46}
